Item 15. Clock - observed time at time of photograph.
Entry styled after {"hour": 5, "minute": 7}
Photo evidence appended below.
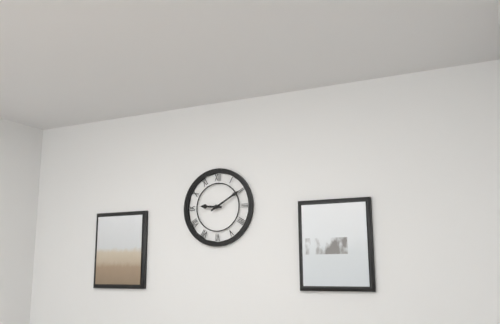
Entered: {"hour": 9, "minute": 10}
